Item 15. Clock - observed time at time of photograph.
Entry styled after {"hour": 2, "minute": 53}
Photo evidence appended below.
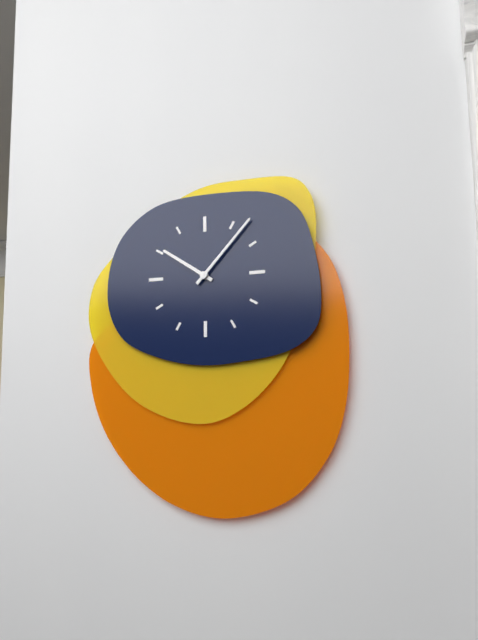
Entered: {"hour": 10, "minute": 7}
